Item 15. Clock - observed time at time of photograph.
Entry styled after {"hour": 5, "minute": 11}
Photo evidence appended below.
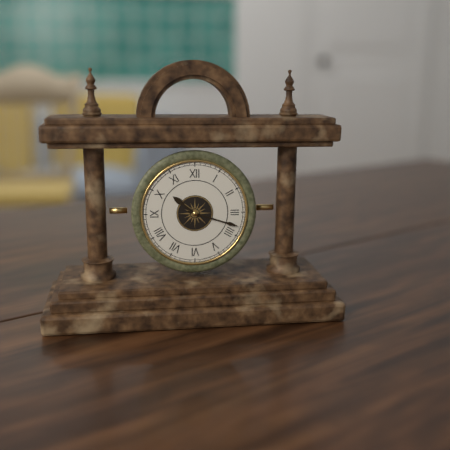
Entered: {"hour": 10, "minute": 18}
